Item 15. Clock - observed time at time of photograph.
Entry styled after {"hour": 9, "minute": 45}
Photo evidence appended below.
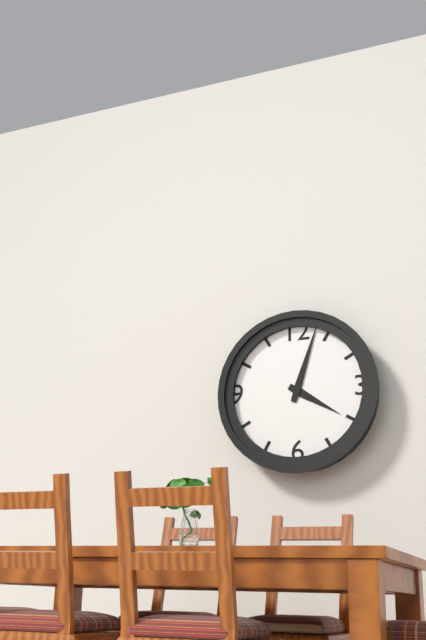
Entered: {"hour": 4, "minute": 3}
